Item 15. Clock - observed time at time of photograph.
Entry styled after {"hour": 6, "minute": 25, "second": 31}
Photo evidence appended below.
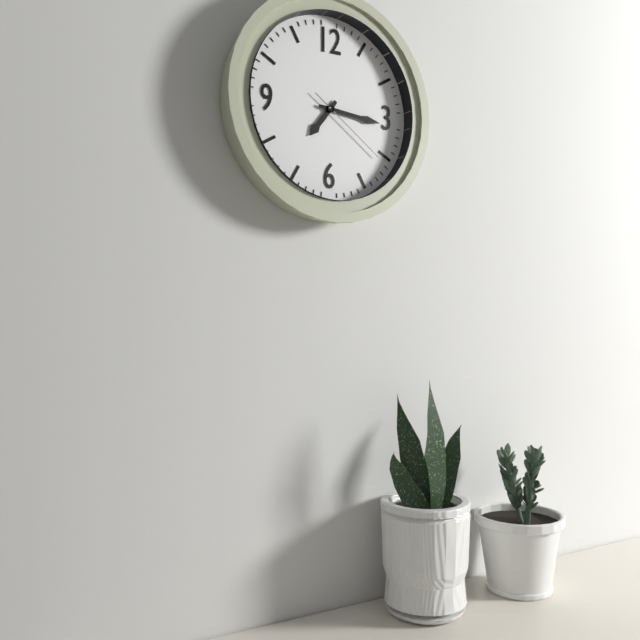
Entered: {"hour": 7, "minute": 16, "second": 21}
